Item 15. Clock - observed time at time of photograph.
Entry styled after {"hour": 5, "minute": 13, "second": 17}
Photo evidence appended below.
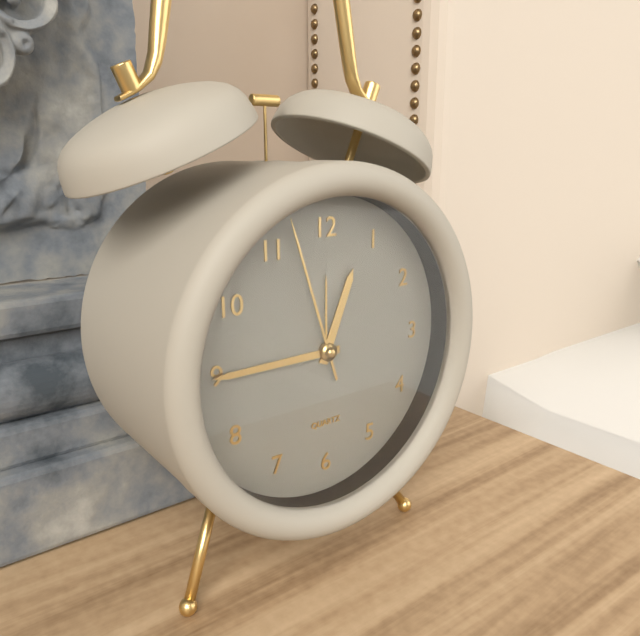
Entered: {"hour": 12, "minute": 45, "second": 57}
